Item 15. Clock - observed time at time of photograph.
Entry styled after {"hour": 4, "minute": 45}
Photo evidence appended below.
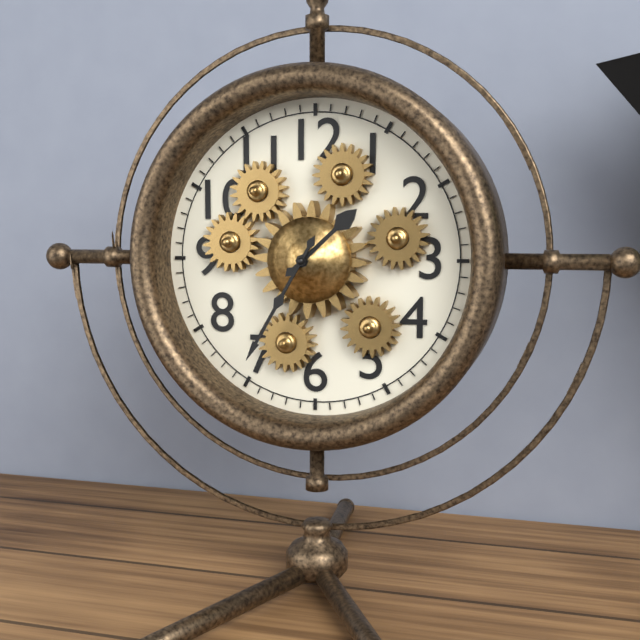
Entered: {"hour": 1, "minute": 35}
